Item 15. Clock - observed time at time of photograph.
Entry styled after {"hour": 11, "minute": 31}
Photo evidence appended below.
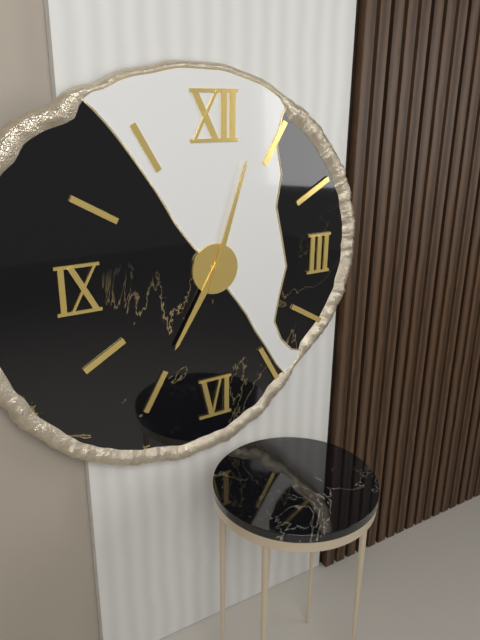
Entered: {"hour": 7, "minute": 3}
